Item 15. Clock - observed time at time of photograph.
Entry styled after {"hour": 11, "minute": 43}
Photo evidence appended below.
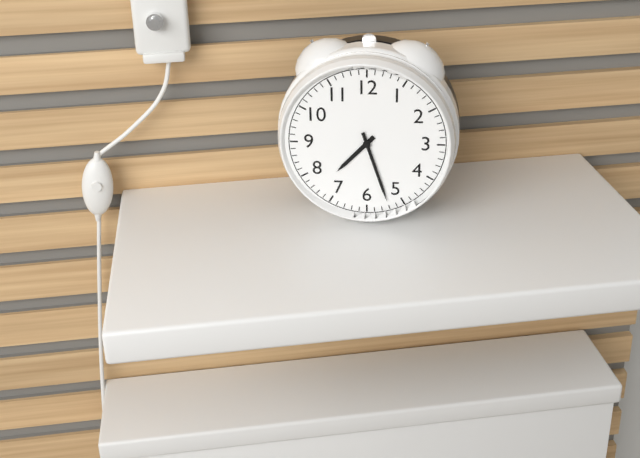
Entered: {"hour": 7, "minute": 27}
